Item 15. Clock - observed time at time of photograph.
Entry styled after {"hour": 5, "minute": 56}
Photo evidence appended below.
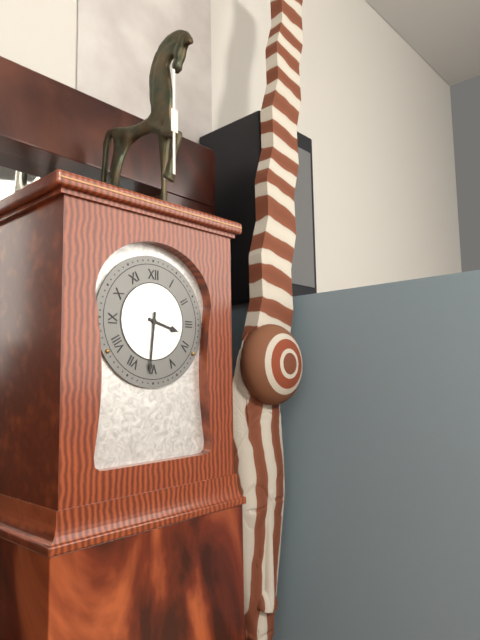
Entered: {"hour": 3, "minute": 31}
